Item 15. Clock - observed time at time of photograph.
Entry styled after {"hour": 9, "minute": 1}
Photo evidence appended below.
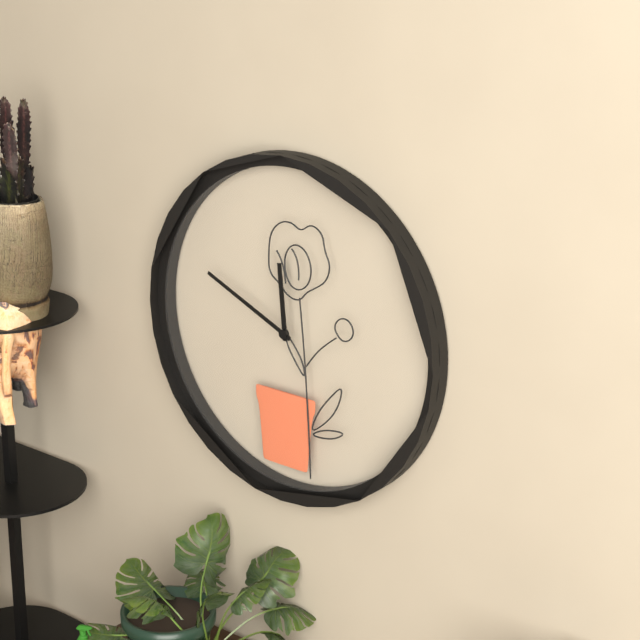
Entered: {"hour": 11, "minute": 49}
